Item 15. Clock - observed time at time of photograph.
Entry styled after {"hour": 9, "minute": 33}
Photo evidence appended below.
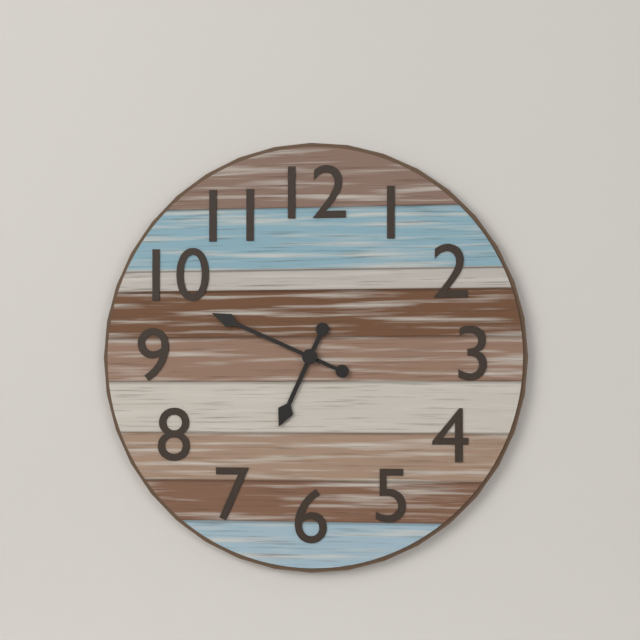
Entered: {"hour": 6, "minute": 49}
